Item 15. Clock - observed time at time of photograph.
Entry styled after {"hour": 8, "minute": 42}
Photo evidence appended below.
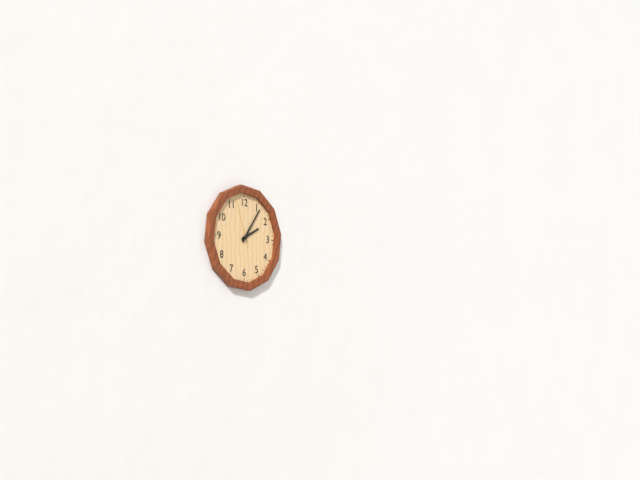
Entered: {"hour": 2, "minute": 6}
